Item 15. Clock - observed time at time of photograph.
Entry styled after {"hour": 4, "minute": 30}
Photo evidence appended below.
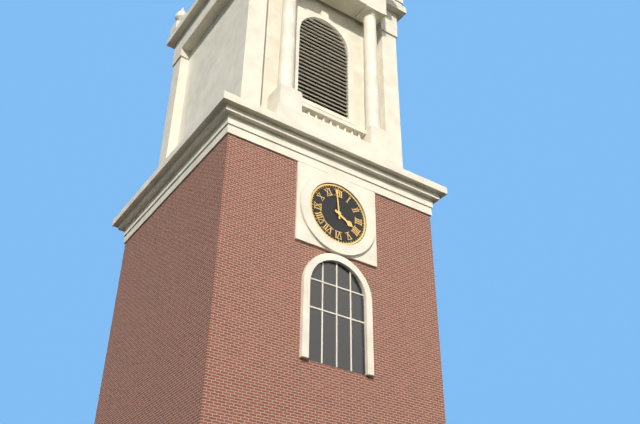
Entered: {"hour": 3, "minute": 59}
